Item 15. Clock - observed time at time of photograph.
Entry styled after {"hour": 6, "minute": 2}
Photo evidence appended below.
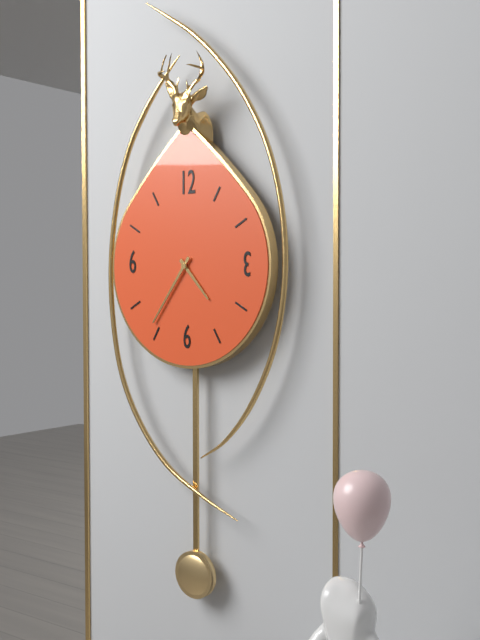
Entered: {"hour": 4, "minute": 36}
